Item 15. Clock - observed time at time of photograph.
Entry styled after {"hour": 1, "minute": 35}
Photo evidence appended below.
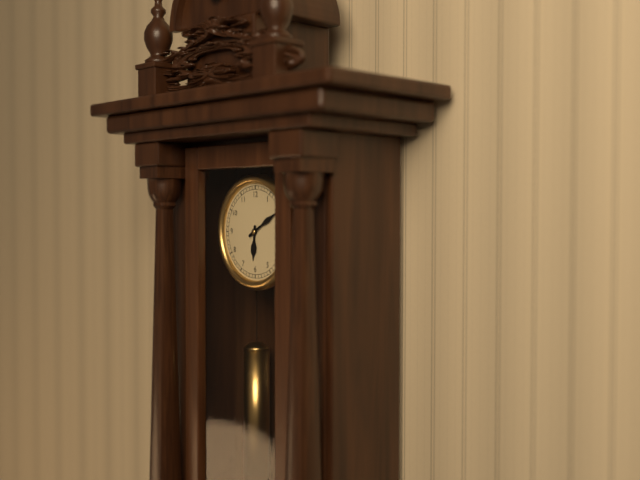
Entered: {"hour": 6, "minute": 10}
